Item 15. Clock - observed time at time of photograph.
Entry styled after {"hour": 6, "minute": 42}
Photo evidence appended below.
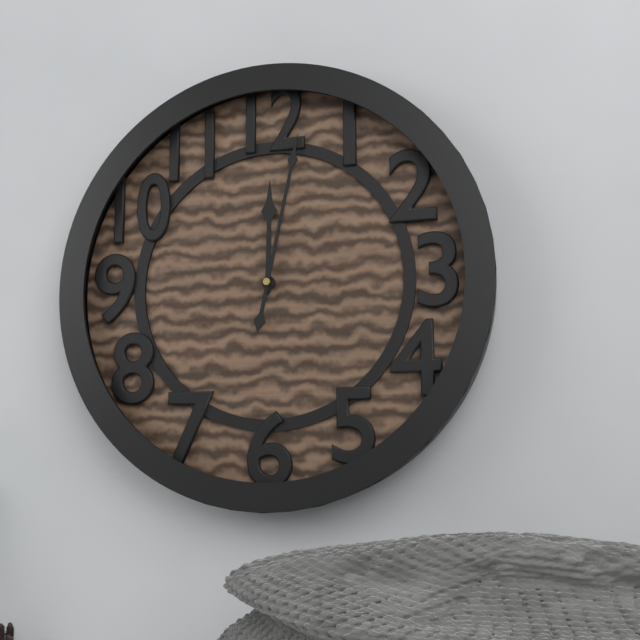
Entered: {"hour": 12, "minute": 2}
